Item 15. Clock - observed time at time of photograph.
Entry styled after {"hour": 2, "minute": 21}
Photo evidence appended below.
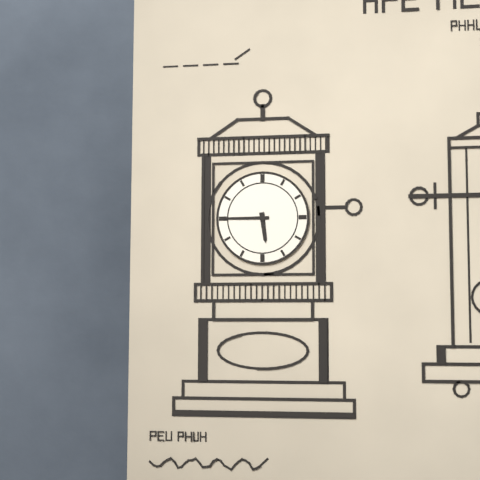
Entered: {"hour": 5, "minute": 45}
